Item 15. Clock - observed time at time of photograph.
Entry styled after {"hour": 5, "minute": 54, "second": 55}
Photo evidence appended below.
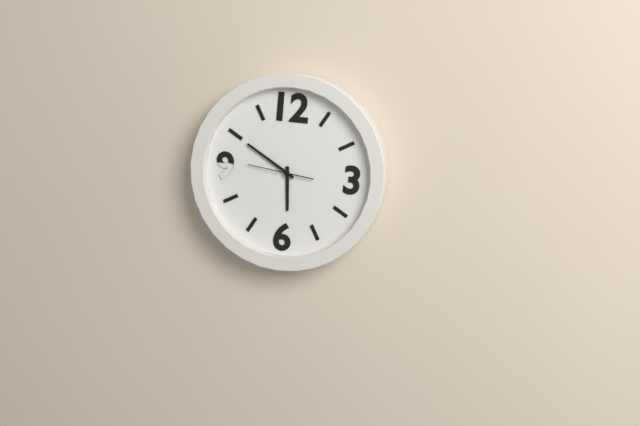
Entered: {"hour": 5, "minute": 50, "second": 46}
